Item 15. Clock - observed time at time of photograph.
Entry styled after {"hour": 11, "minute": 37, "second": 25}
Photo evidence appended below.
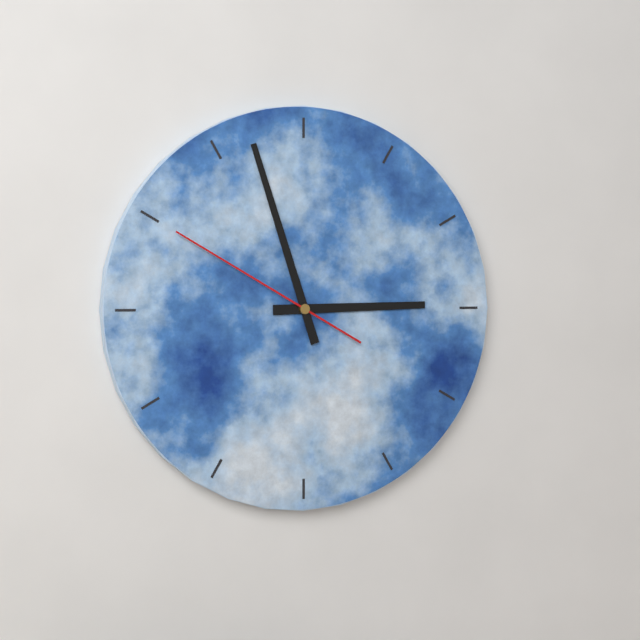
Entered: {"hour": 2, "minute": 57, "second": 50}
